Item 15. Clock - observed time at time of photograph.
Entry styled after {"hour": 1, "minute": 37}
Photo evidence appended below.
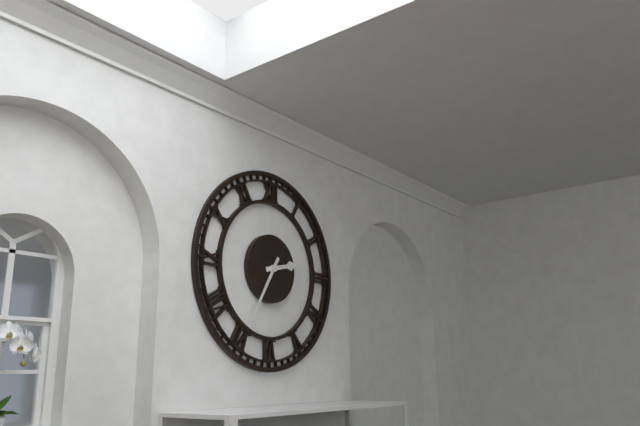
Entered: {"hour": 2, "minute": 35}
